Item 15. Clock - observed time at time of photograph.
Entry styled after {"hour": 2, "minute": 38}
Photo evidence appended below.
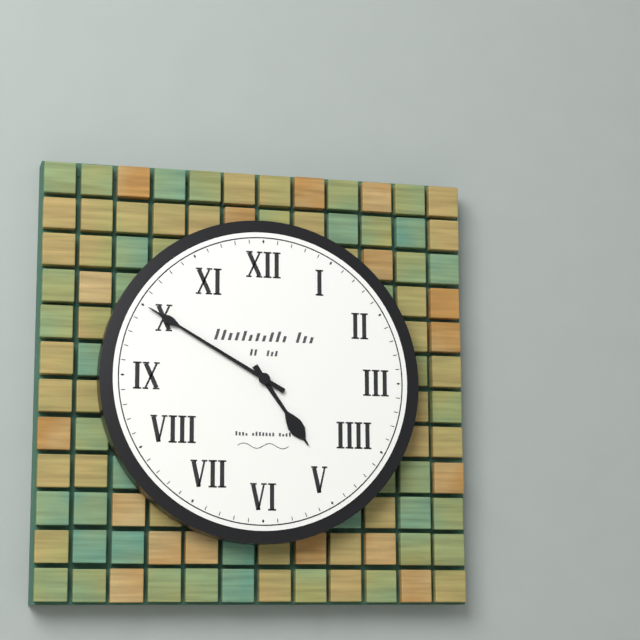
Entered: {"hour": 4, "minute": 50}
